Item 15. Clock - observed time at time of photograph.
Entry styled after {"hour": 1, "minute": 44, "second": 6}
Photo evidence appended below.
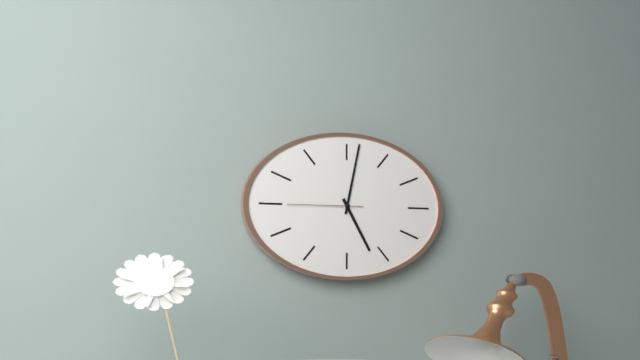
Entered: {"hour": 5, "minute": 2, "second": 45}
